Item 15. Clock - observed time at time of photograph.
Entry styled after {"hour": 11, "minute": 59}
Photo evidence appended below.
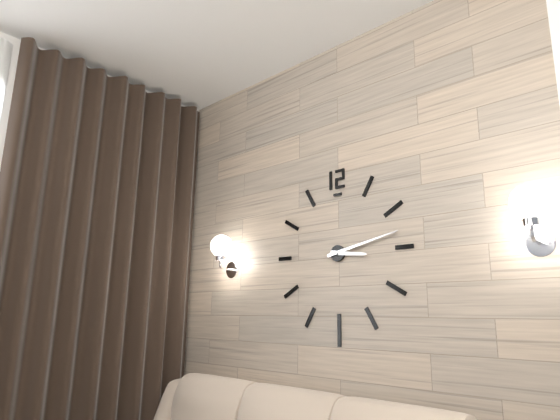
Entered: {"hour": 3, "minute": 13}
